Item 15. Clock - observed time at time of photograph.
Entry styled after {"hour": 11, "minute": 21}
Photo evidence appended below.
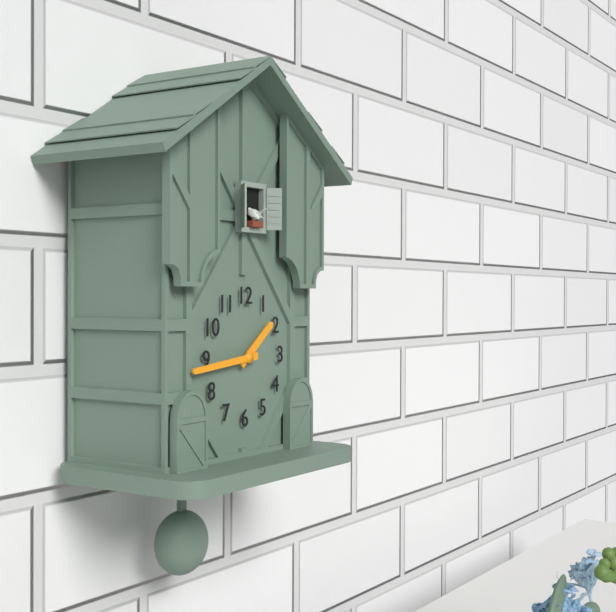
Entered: {"hour": 1, "minute": 44}
